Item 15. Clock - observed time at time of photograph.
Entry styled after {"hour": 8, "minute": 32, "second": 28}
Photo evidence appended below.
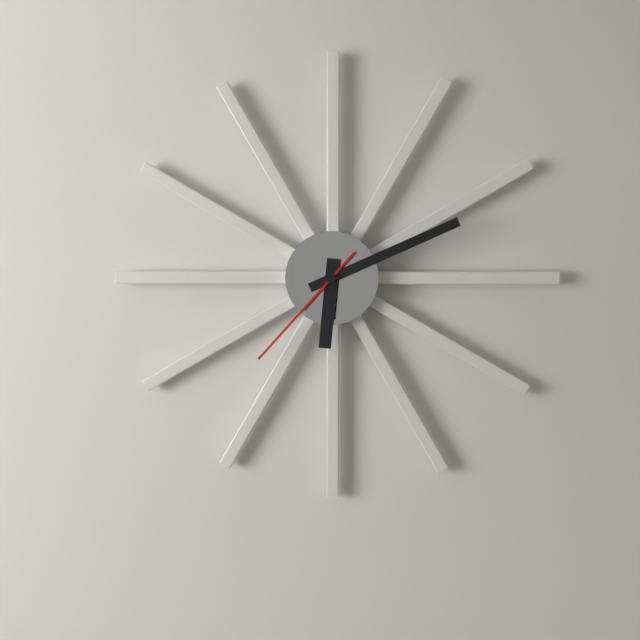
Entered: {"hour": 6, "minute": 11, "second": 37}
